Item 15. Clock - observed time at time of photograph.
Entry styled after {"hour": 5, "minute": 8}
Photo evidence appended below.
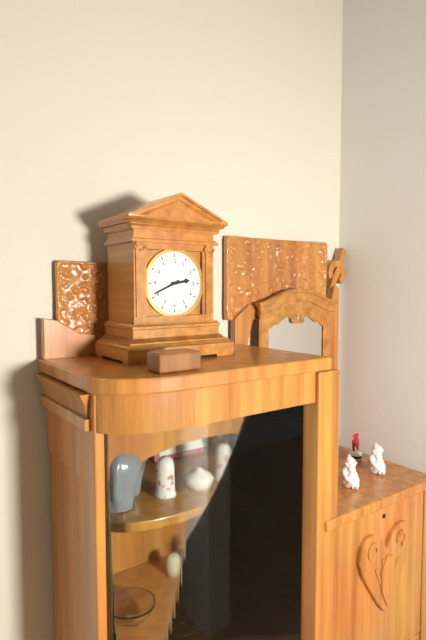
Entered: {"hour": 2, "minute": 41}
